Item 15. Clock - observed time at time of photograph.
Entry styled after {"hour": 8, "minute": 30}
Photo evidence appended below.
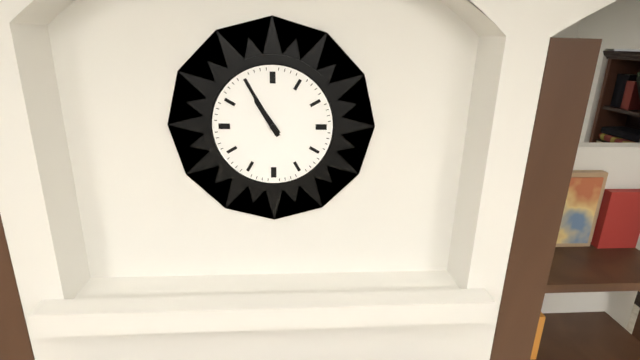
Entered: {"hour": 10, "minute": 55}
